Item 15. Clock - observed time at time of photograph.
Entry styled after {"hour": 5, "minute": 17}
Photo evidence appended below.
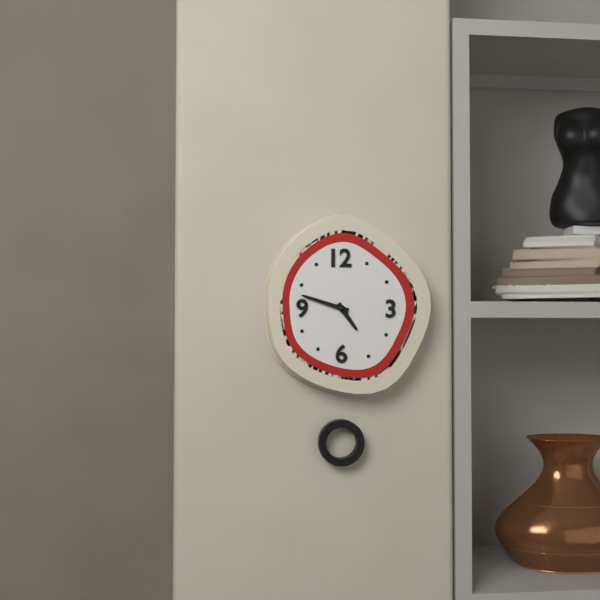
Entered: {"hour": 4, "minute": 48}
